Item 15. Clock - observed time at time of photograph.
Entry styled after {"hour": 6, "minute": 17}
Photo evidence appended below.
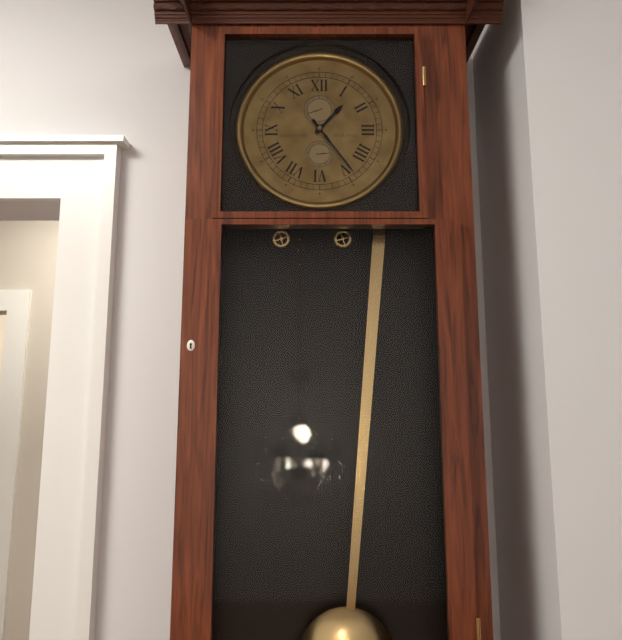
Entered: {"hour": 1, "minute": 24}
